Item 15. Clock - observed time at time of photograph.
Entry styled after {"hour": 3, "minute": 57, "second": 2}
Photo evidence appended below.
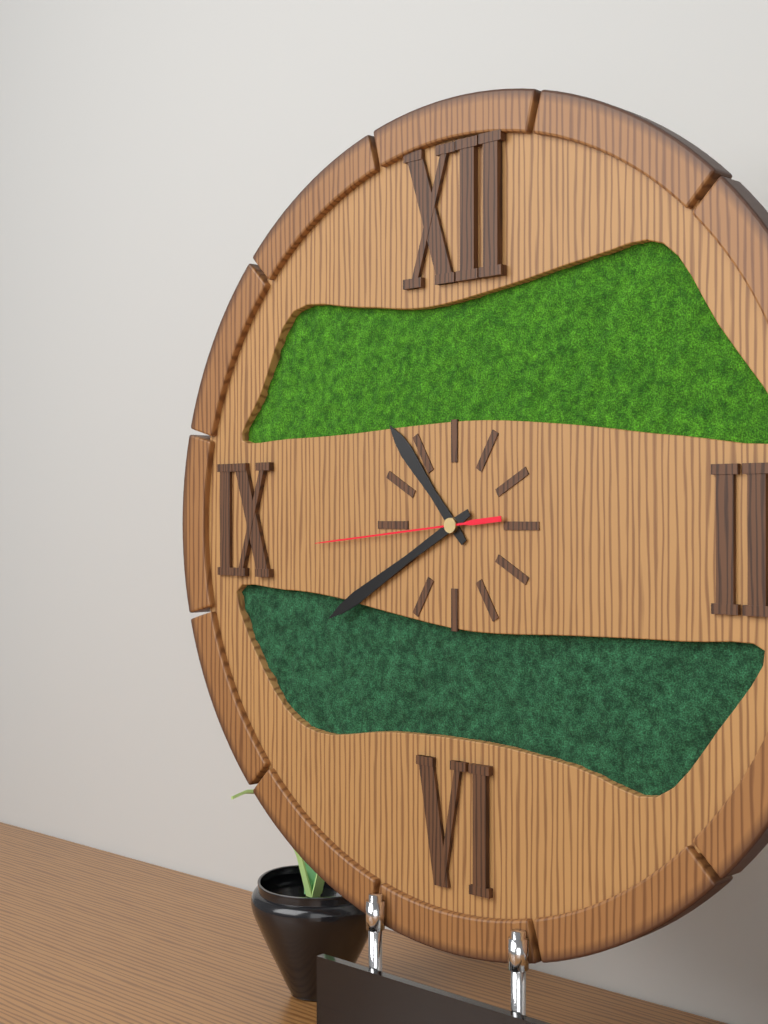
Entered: {"hour": 10, "minute": 40, "second": 44}
